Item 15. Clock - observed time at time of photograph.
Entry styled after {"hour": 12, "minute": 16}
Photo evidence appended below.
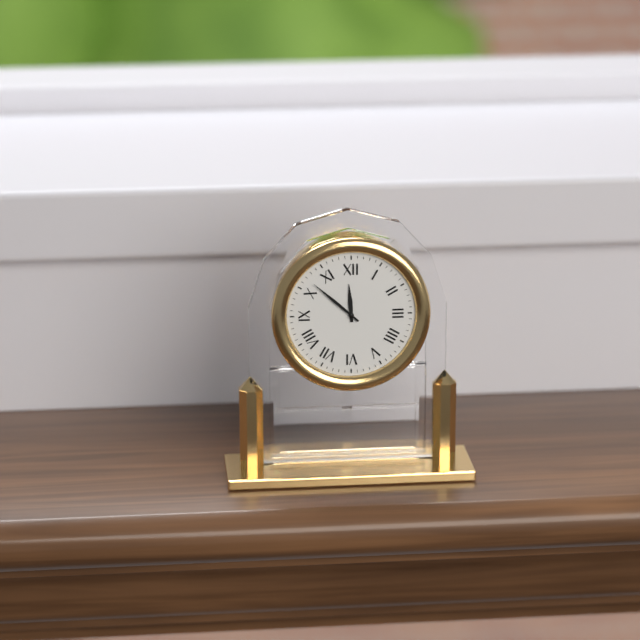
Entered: {"hour": 11, "minute": 52}
